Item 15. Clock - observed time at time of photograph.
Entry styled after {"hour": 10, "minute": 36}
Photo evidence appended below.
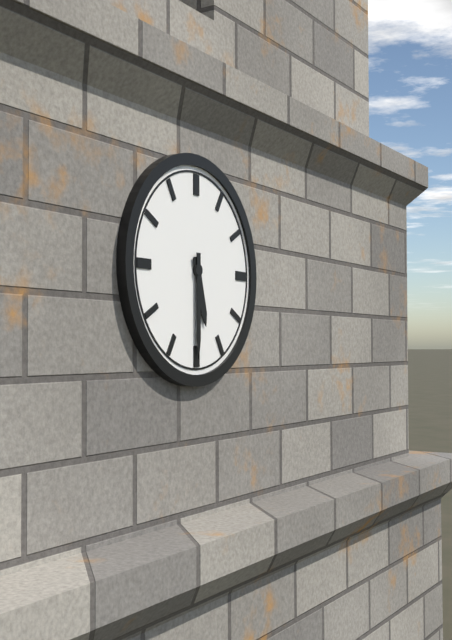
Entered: {"hour": 5, "minute": 30}
